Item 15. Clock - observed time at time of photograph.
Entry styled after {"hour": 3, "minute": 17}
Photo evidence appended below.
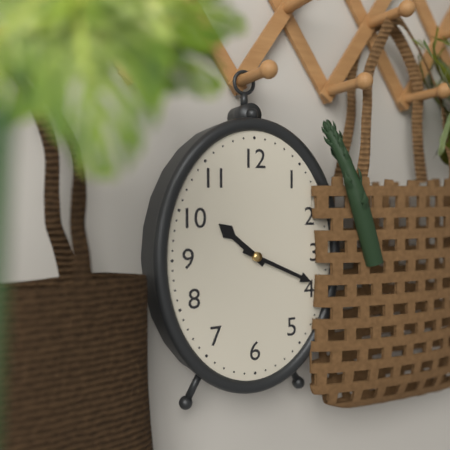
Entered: {"hour": 10, "minute": 19}
